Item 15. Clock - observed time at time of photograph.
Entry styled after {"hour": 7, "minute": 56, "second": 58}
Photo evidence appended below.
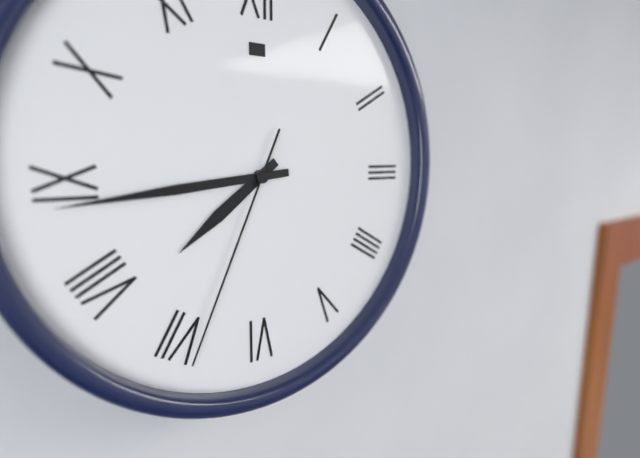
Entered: {"hour": 7, "minute": 44, "second": 34}
